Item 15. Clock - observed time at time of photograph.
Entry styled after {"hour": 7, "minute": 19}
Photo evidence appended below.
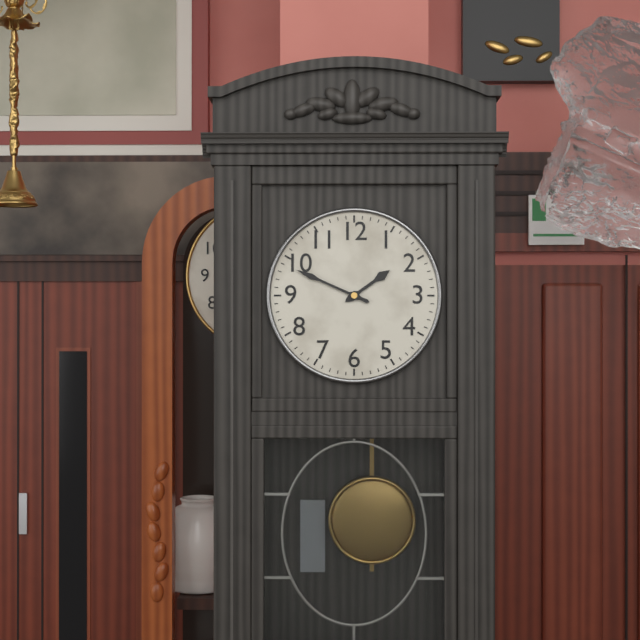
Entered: {"hour": 1, "minute": 49}
